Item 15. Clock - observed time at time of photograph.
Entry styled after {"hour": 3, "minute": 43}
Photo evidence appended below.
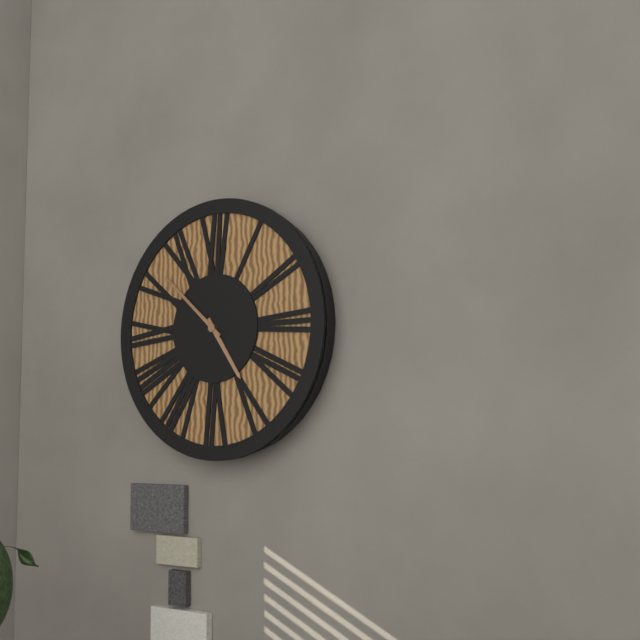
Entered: {"hour": 4, "minute": 52}
